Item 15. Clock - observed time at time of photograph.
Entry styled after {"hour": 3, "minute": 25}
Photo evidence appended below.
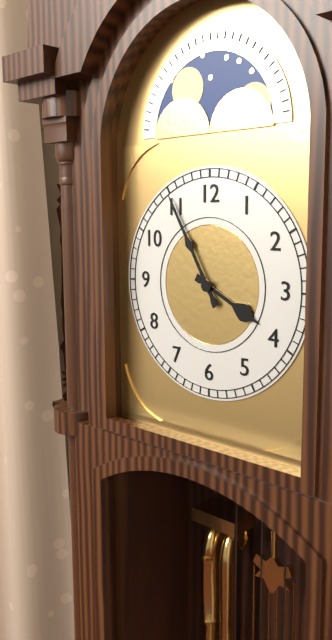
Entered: {"hour": 3, "minute": 55}
